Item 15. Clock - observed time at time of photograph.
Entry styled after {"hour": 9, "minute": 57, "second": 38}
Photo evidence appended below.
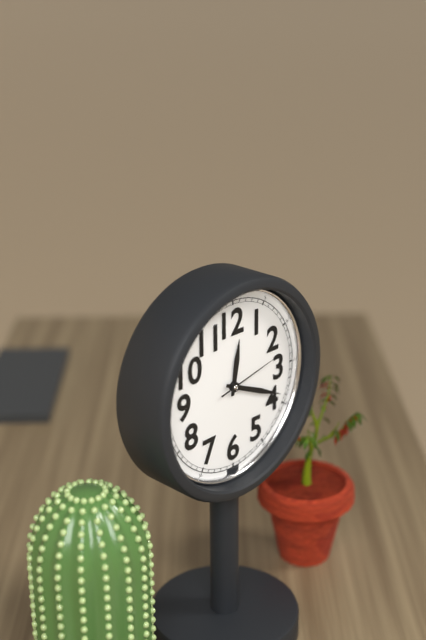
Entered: {"hour": 12, "minute": 19, "second": 13}
